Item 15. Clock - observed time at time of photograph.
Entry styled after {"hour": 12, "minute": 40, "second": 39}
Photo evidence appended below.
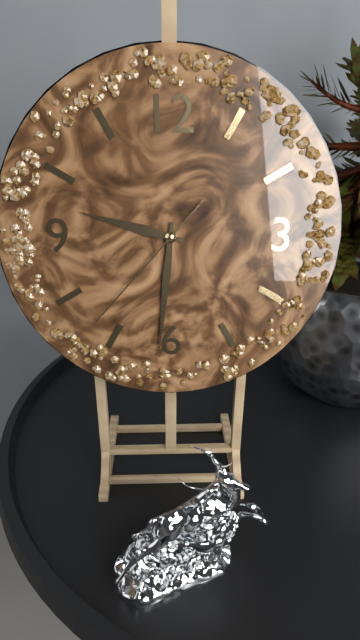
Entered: {"hour": 9, "minute": 31, "second": 37}
